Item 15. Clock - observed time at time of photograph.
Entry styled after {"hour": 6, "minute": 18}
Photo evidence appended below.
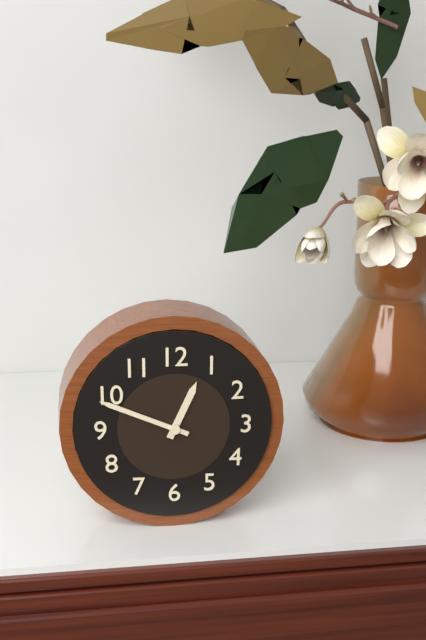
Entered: {"hour": 12, "minute": 49}
